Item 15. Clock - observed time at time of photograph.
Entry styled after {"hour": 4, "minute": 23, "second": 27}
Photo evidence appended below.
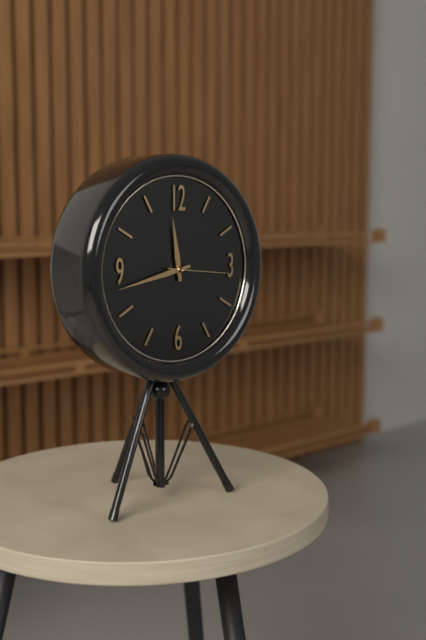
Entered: {"hour": 11, "minute": 43, "second": 16}
